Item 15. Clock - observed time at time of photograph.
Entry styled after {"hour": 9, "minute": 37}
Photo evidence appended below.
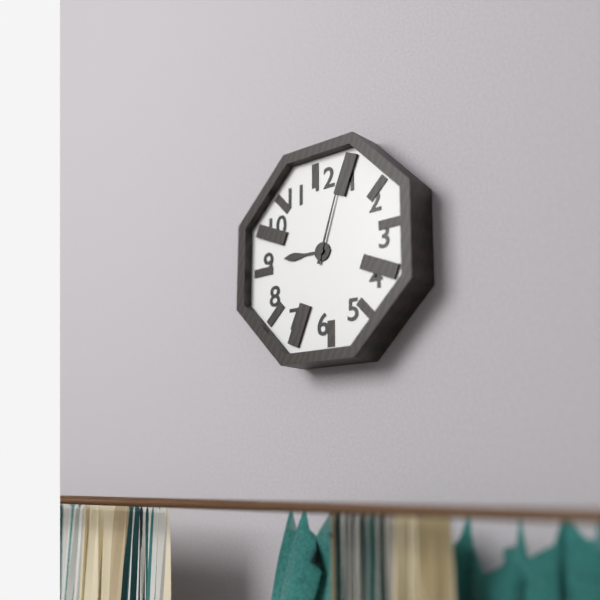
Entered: {"hour": 9, "minute": 3}
